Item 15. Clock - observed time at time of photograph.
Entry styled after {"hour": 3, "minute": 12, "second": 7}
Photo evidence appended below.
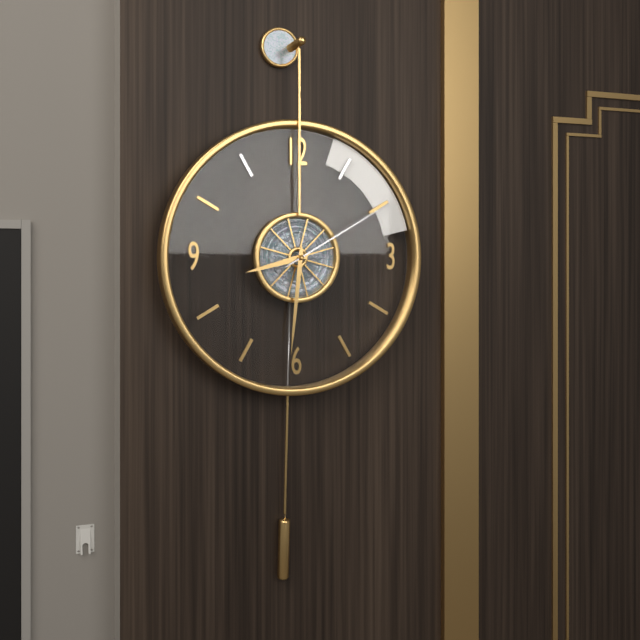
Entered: {"hour": 8, "minute": 31, "second": 10}
